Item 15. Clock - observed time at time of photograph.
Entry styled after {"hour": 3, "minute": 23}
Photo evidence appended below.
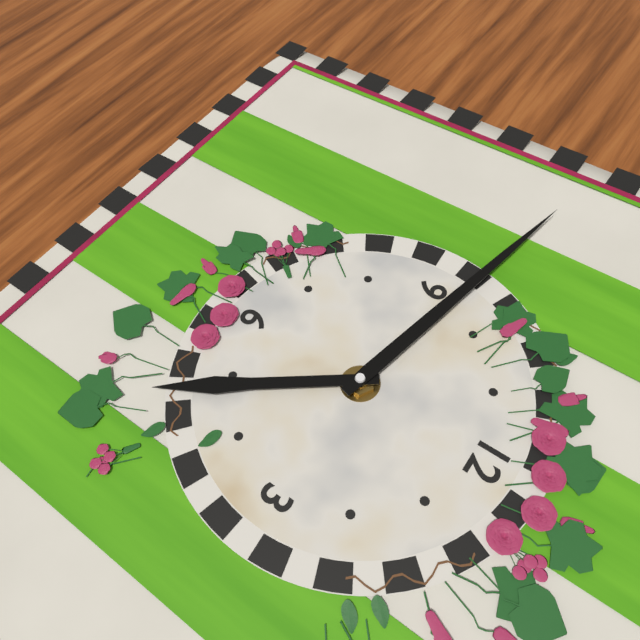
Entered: {"hour": 4, "minute": 47}
